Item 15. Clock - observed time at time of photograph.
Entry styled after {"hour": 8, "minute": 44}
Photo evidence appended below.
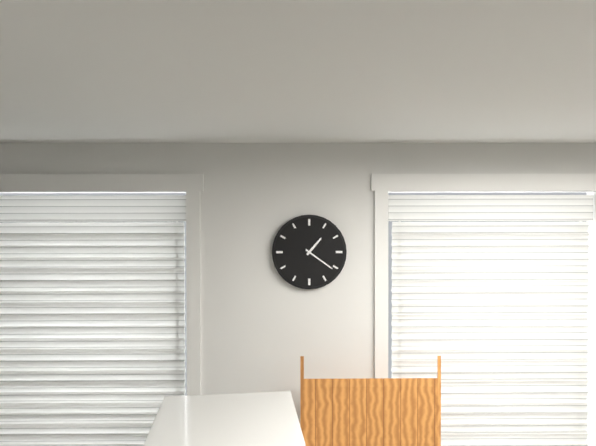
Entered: {"hour": 1, "minute": 21}
